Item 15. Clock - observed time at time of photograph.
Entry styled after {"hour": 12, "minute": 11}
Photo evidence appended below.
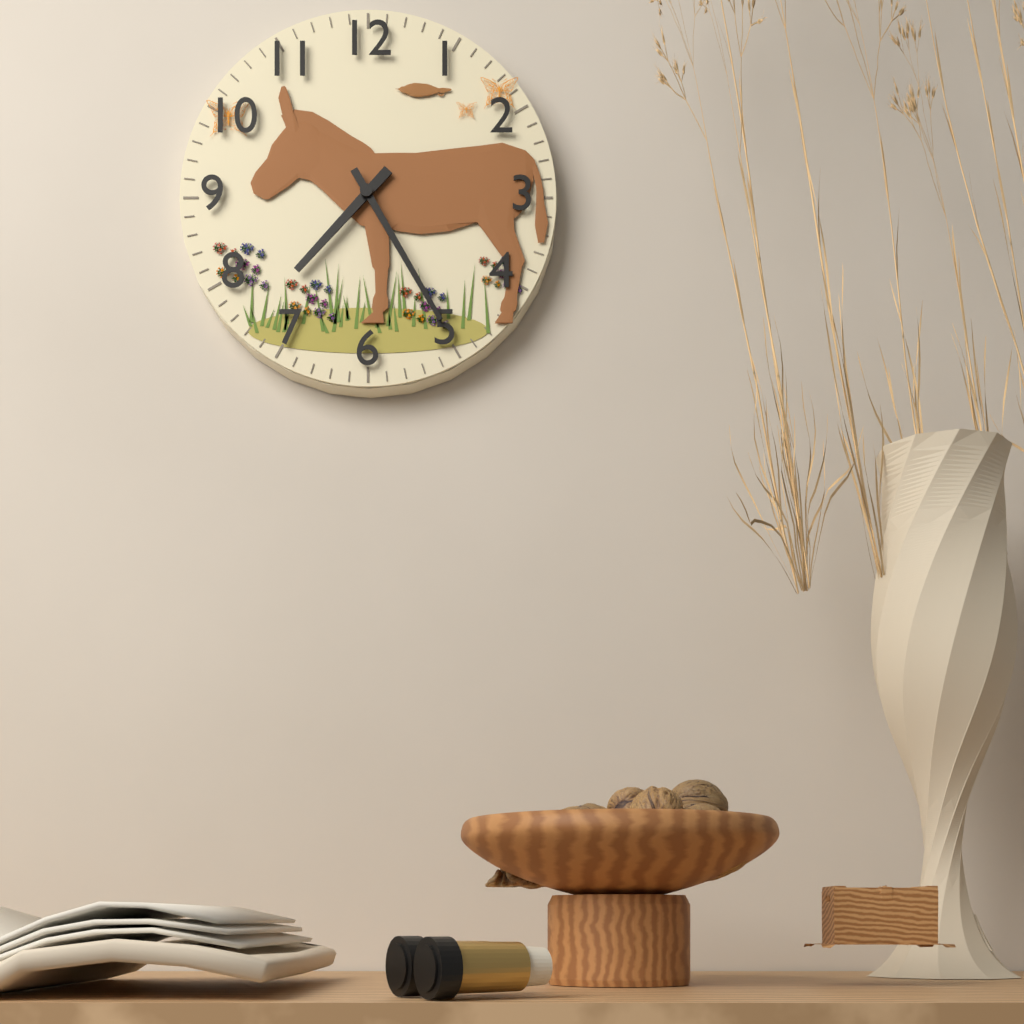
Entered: {"hour": 7, "minute": 25}
